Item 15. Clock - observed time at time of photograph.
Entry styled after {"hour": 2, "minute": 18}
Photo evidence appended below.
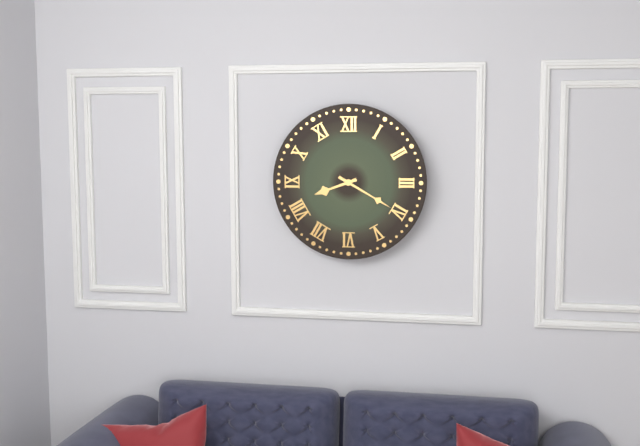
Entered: {"hour": 8, "minute": 20}
